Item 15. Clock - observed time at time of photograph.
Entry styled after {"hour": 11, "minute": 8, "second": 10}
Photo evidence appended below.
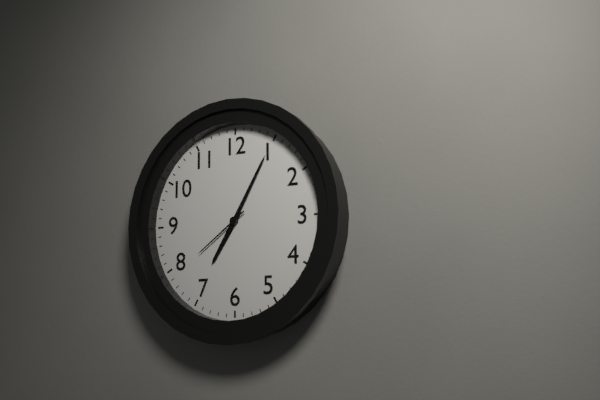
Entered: {"hour": 7, "minute": 5, "second": 39}
